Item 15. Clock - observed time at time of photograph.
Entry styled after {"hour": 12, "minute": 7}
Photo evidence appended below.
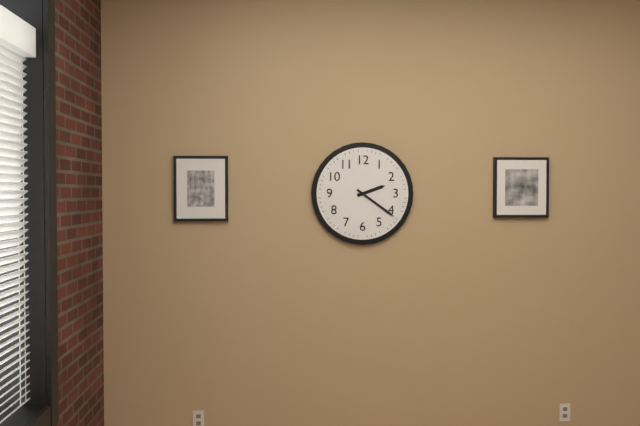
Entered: {"hour": 2, "minute": 21}
